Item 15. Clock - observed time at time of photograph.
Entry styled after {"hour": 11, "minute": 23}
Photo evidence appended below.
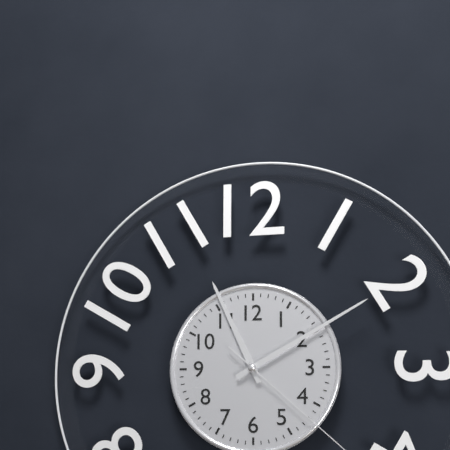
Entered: {"hour": 11, "minute": 10}
